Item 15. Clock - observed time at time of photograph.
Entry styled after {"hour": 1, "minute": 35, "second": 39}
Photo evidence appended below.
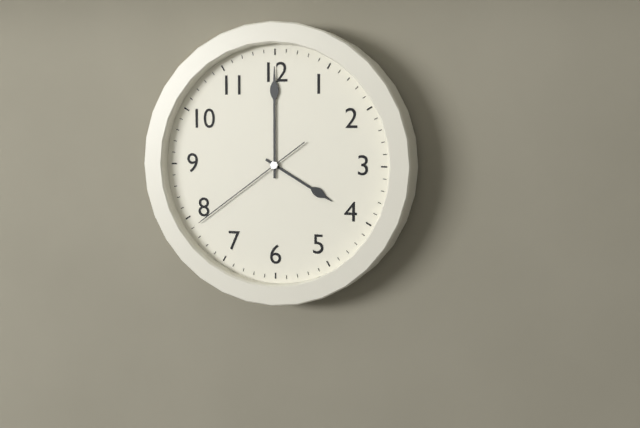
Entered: {"hour": 4, "minute": 0, "second": 39}
